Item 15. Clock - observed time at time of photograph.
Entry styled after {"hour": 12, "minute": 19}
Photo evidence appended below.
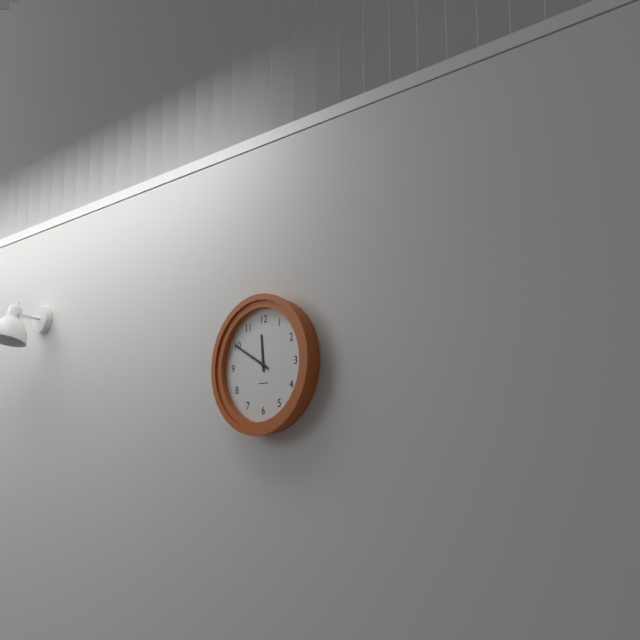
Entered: {"hour": 11, "minute": 50}
